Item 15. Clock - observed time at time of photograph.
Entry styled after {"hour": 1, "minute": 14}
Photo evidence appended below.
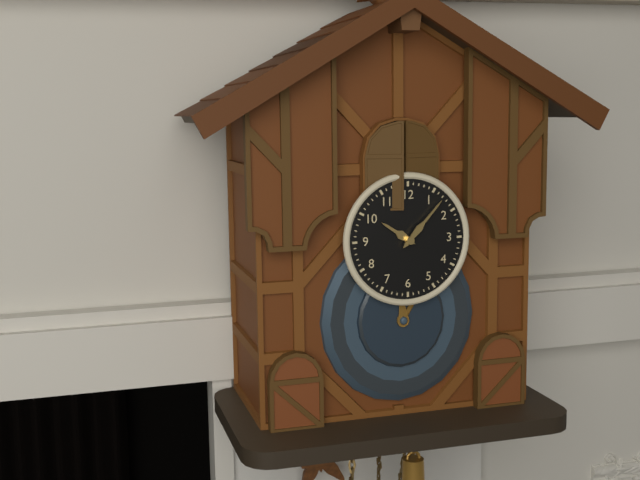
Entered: {"hour": 10, "minute": 7}
